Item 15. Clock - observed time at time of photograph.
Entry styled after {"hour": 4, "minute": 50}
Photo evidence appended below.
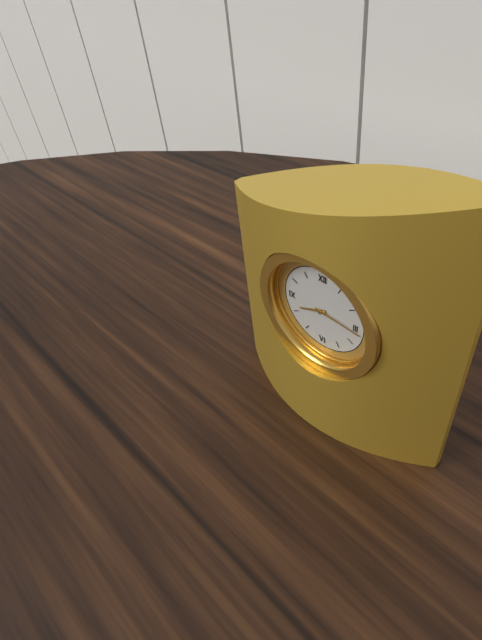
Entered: {"hour": 8, "minute": 16}
